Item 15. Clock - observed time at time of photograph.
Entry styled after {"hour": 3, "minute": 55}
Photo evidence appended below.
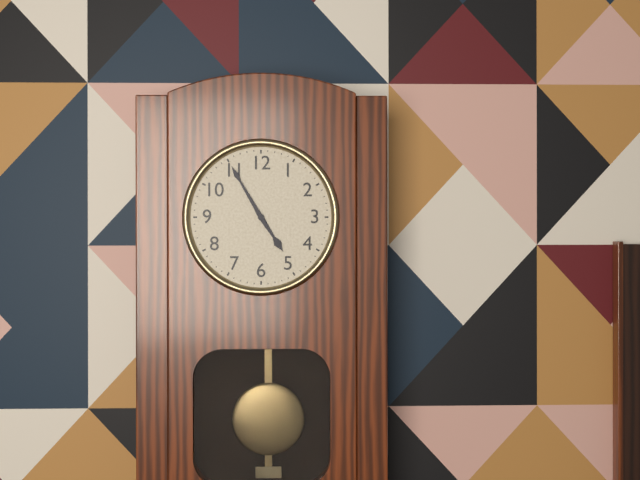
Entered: {"hour": 4, "minute": 55}
